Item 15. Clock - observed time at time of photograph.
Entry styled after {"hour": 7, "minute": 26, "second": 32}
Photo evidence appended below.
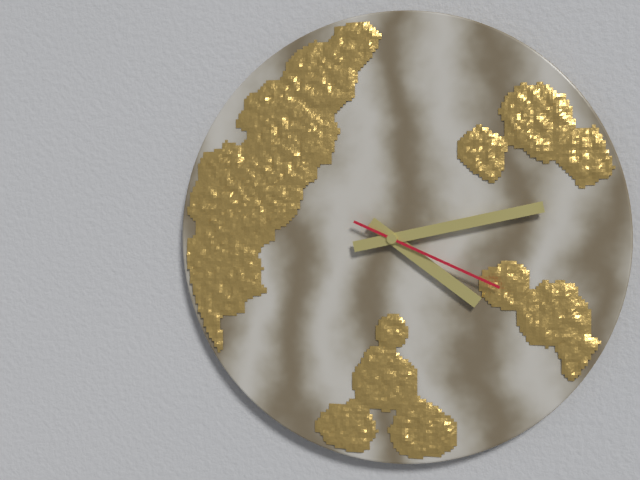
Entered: {"hour": 4, "minute": 13, "second": 19}
